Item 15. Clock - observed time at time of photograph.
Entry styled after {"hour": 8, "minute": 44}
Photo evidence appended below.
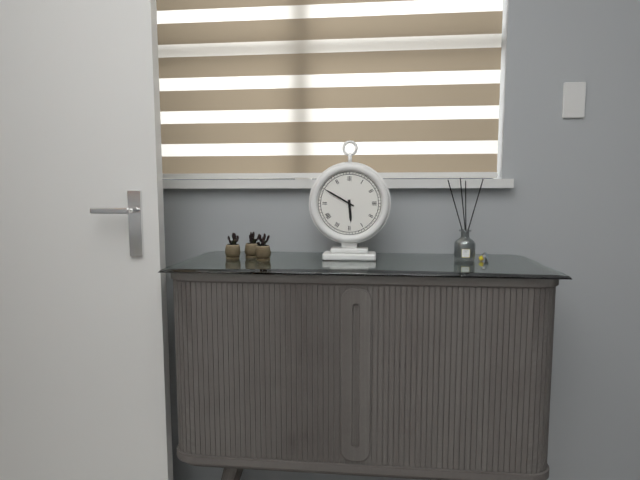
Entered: {"hour": 5, "minute": 50}
